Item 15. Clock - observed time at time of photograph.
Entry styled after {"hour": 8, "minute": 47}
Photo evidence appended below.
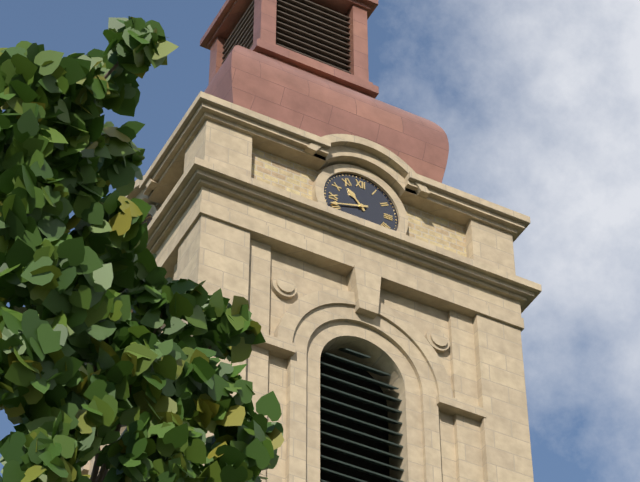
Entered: {"hour": 10, "minute": 42}
